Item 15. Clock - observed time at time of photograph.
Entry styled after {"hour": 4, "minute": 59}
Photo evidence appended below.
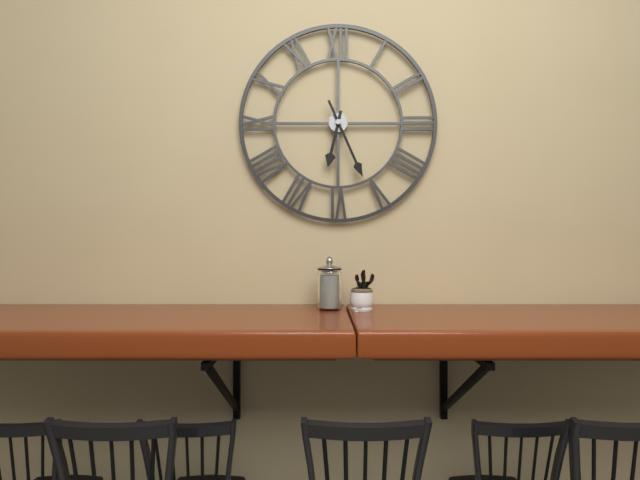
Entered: {"hour": 6, "minute": 26}
